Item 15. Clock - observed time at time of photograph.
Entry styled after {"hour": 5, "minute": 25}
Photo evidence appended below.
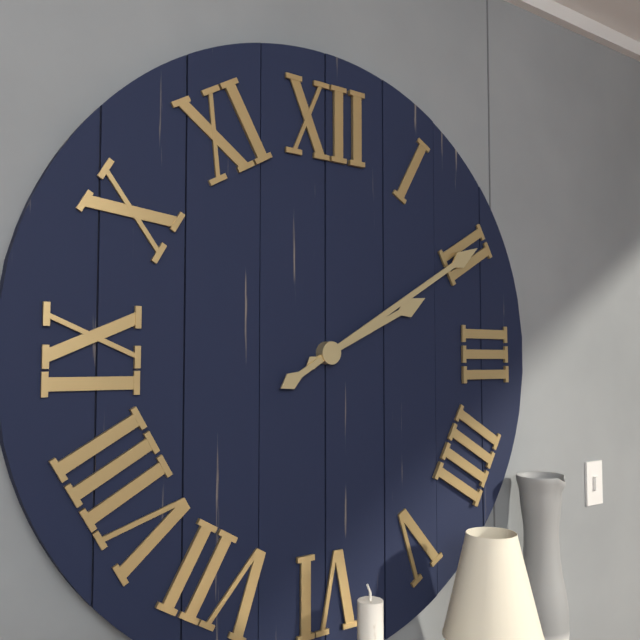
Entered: {"hour": 2, "minute": 10}
